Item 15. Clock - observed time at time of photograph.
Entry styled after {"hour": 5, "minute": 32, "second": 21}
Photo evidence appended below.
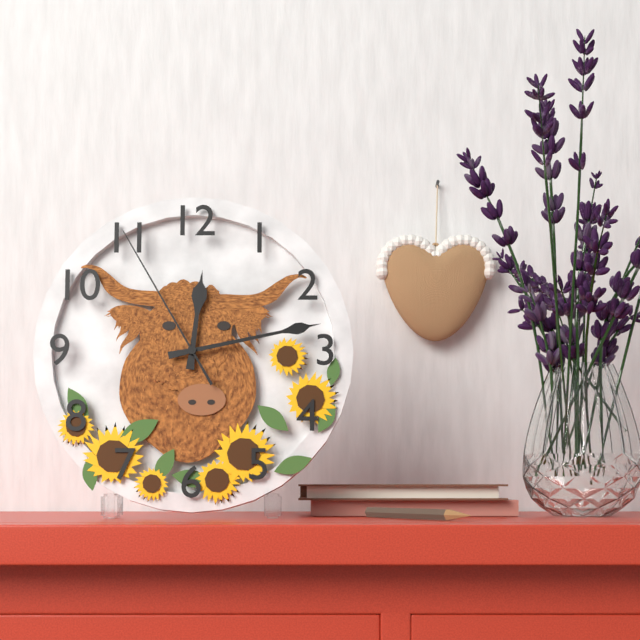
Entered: {"hour": 12, "minute": 13, "second": 55}
